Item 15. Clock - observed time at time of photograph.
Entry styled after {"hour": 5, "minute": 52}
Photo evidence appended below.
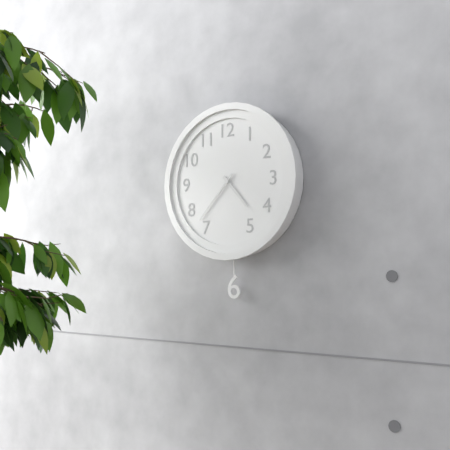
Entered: {"hour": 4, "minute": 37}
